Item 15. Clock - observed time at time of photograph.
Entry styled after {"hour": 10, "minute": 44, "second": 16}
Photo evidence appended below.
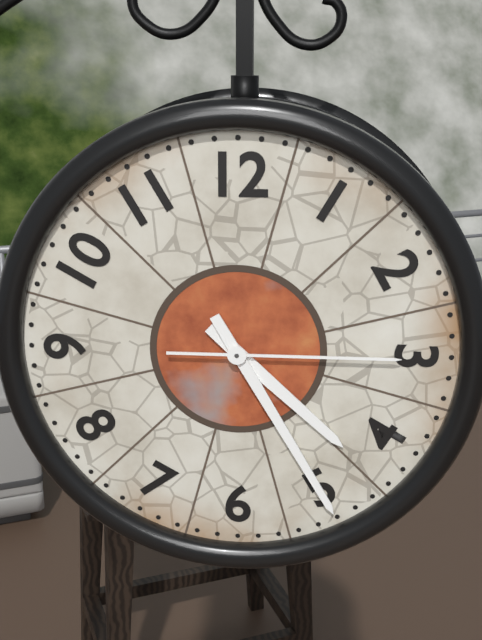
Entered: {"hour": 4, "minute": 25, "second": 15}
